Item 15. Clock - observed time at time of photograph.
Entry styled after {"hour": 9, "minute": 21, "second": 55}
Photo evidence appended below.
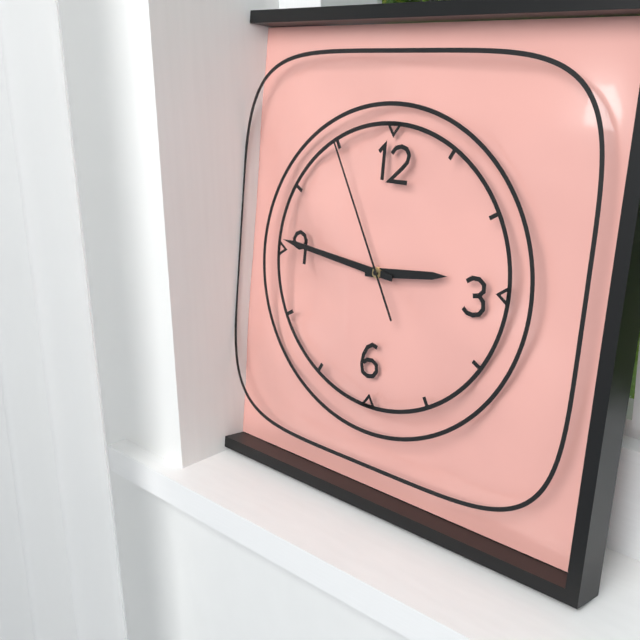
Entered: {"hour": 2, "minute": 46, "second": 55}
